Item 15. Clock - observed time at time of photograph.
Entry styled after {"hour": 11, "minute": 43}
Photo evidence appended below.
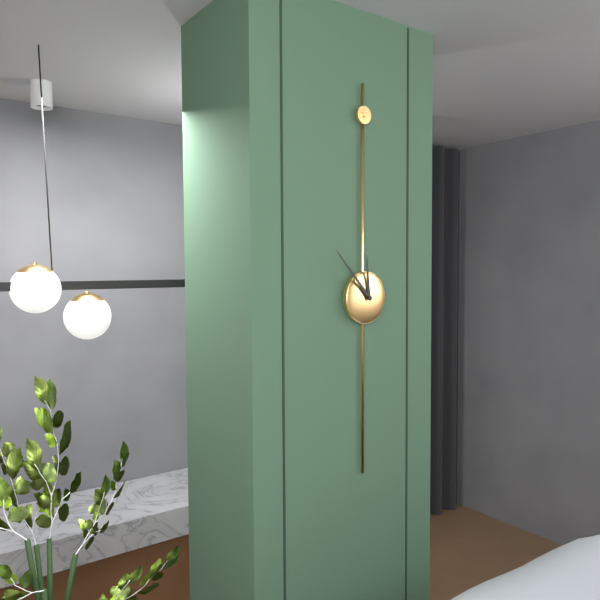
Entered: {"hour": 11, "minute": 53}
